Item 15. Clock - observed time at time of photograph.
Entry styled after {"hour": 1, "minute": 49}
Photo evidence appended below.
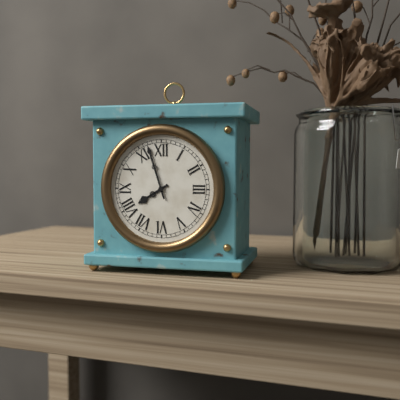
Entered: {"hour": 7, "minute": 57}
